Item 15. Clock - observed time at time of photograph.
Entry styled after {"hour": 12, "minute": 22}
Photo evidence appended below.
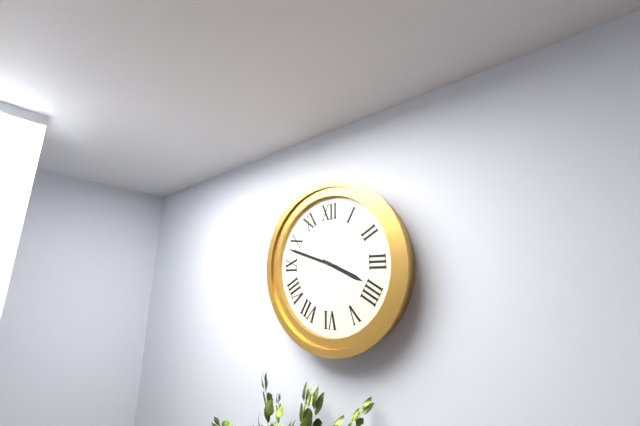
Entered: {"hour": 3, "minute": 48}
